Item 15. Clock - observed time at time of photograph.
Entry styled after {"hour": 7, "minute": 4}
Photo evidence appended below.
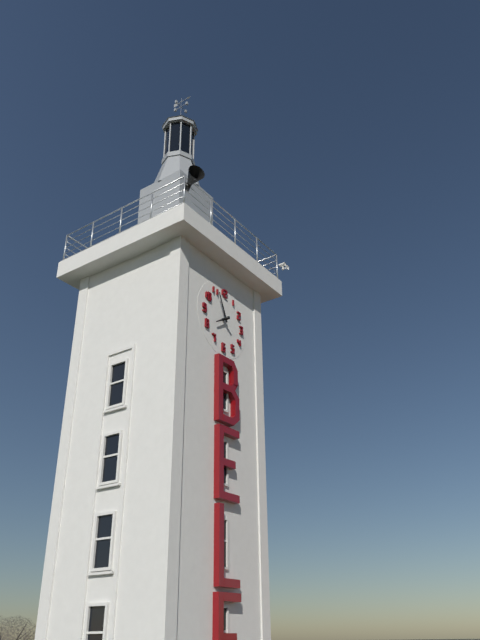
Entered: {"hour": 7, "minute": 56}
